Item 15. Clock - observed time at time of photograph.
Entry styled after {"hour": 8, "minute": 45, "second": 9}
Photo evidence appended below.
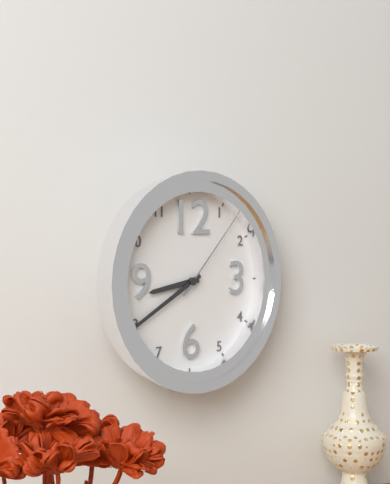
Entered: {"hour": 8, "minute": 40, "second": 7}
